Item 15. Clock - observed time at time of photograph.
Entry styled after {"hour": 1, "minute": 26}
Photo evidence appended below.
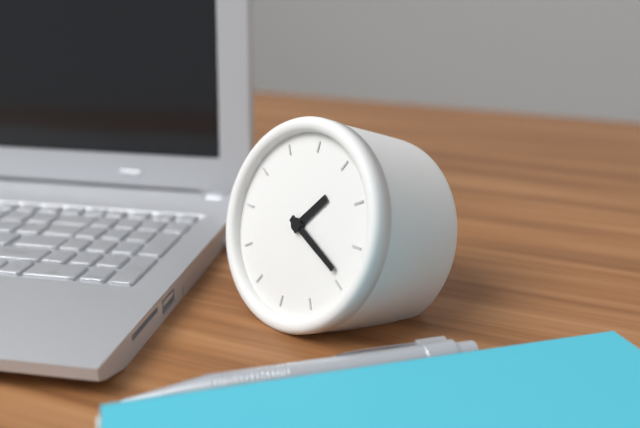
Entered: {"hour": 1, "minute": 19}
